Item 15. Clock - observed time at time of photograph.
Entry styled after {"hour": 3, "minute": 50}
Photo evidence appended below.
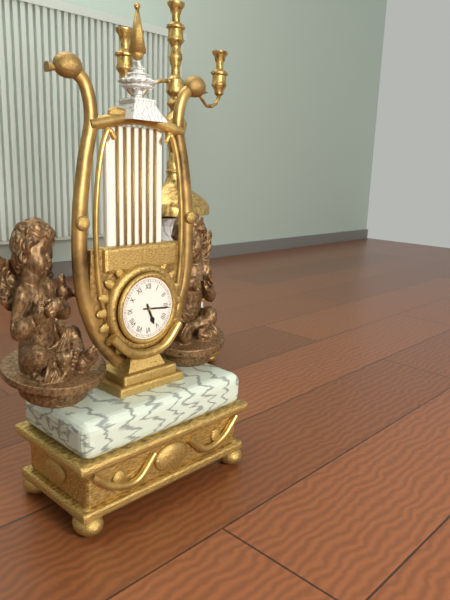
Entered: {"hour": 5, "minute": 16}
